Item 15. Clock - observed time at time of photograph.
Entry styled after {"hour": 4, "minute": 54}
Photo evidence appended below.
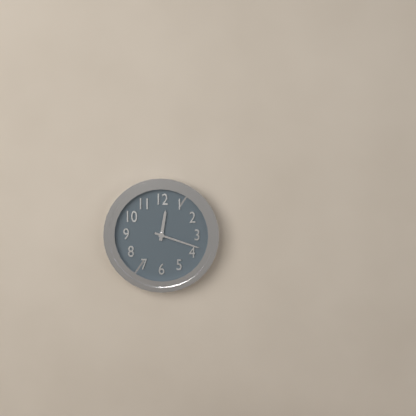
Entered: {"hour": 12, "minute": 18}
